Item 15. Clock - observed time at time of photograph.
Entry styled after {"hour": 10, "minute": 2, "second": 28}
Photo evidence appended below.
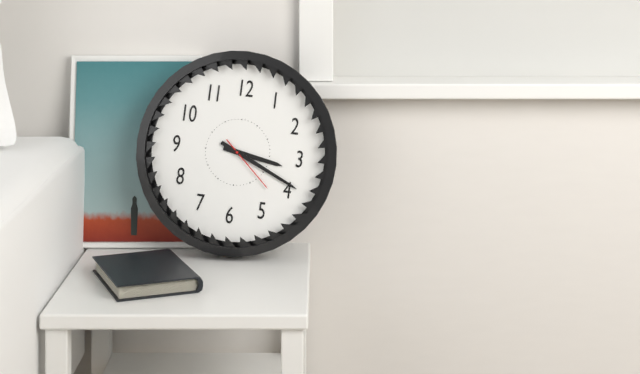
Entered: {"hour": 3, "minute": 19, "second": 22}
